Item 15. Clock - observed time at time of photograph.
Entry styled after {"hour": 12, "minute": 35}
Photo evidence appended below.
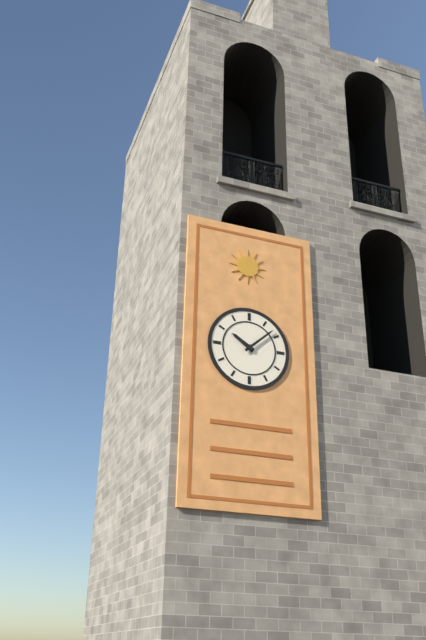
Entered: {"hour": 10, "minute": 8}
